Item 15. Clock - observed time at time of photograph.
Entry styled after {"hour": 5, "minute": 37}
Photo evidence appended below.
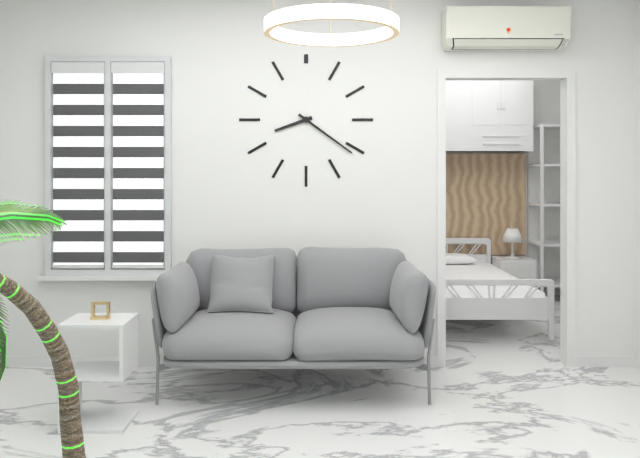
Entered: {"hour": 8, "minute": 21}
